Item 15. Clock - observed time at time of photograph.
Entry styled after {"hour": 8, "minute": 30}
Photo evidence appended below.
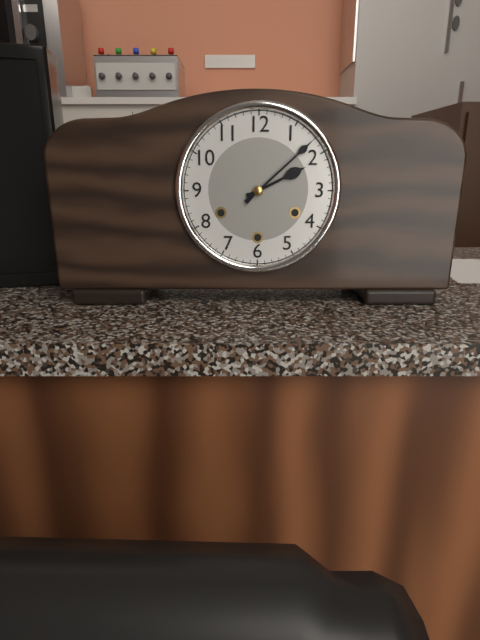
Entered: {"hour": 2, "minute": 8}
